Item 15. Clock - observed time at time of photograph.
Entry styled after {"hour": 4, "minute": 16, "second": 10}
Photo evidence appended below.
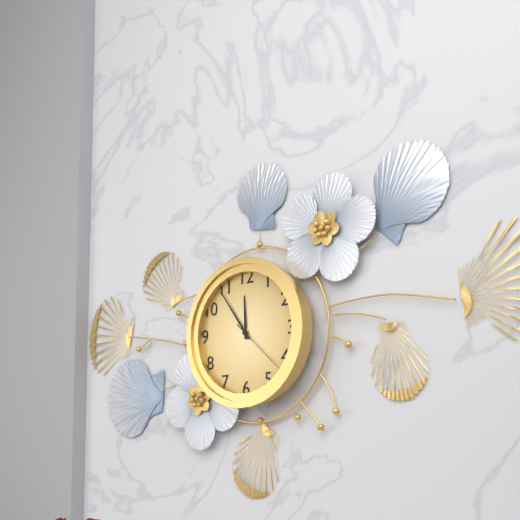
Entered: {"hour": 11, "minute": 54, "second": 22}
